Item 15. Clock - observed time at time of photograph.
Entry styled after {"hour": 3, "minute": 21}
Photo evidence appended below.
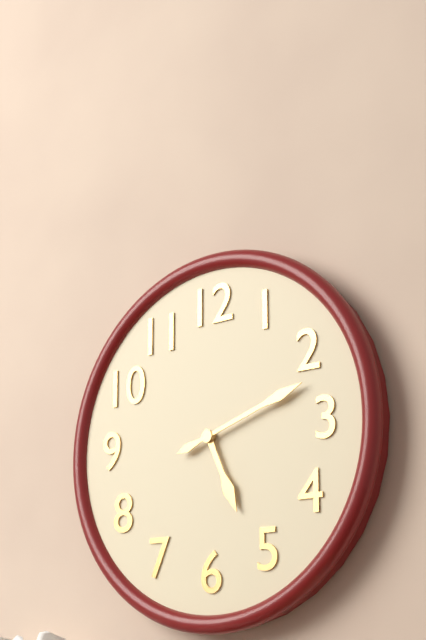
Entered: {"hour": 5, "minute": 12}
